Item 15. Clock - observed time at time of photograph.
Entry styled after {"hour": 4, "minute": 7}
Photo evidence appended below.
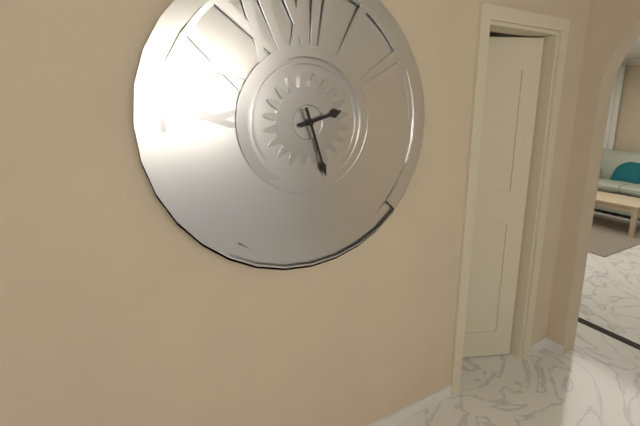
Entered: {"hour": 2, "minute": 27}
